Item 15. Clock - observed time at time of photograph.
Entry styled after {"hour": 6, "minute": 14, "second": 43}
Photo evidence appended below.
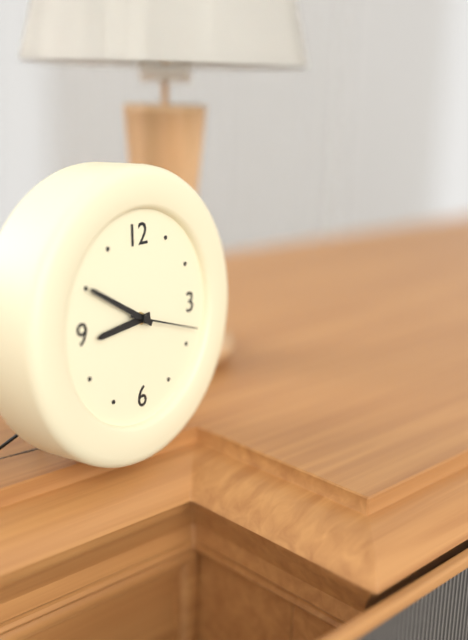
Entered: {"hour": 8, "minute": 50, "second": 18}
